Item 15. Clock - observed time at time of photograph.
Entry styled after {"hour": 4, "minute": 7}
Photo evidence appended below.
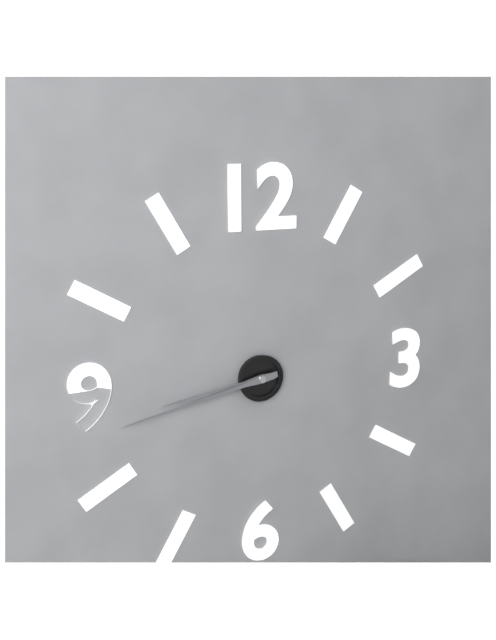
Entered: {"hour": 8, "minute": 43}
